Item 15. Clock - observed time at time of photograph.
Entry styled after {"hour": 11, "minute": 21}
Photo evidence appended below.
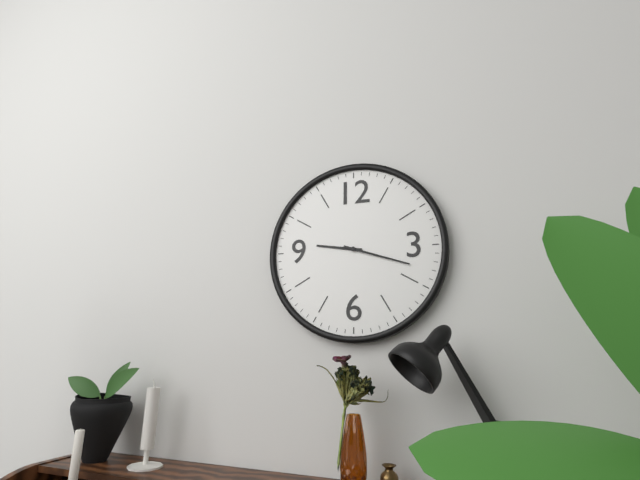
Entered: {"hour": 9, "minute": 18}
